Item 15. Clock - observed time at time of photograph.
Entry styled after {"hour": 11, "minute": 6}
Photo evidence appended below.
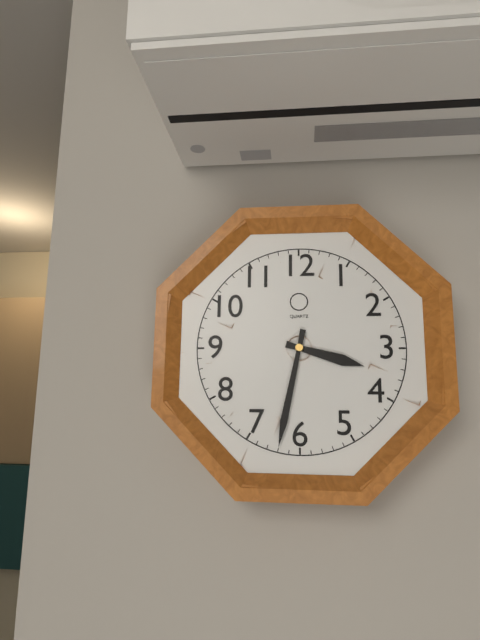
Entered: {"hour": 3, "minute": 32}
